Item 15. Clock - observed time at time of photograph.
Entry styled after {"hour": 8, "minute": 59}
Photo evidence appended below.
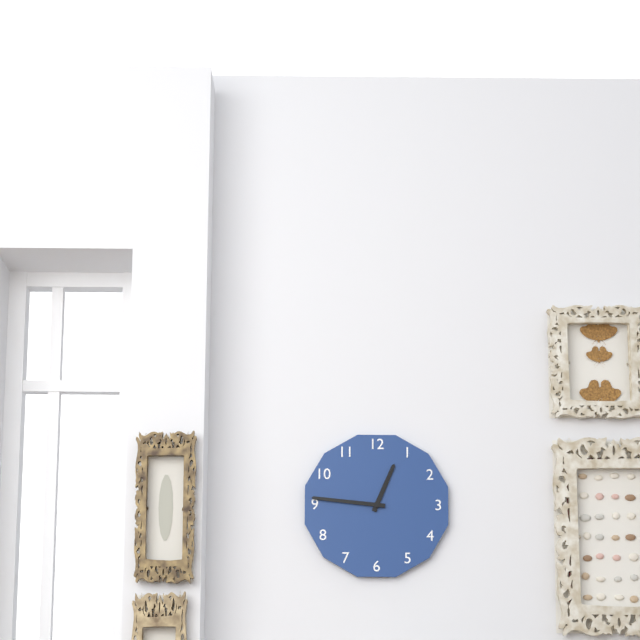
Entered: {"hour": 12, "minute": 46}
